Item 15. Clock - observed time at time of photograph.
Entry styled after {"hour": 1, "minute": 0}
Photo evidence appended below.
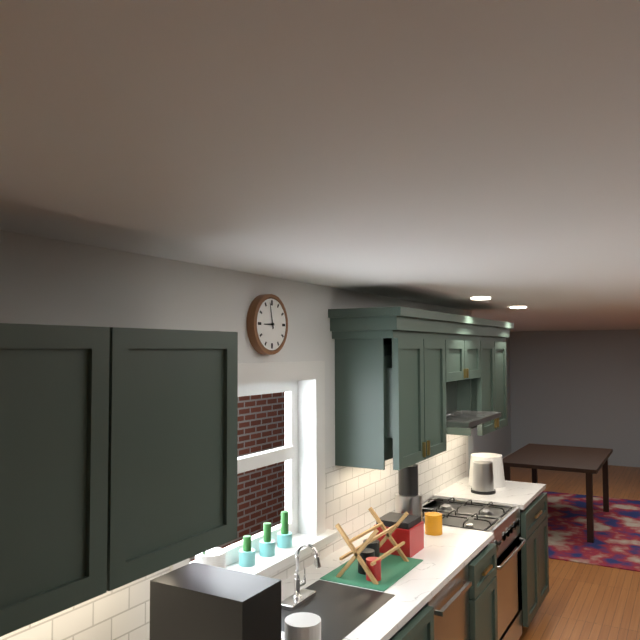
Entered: {"hour": 8, "minute": 58}
